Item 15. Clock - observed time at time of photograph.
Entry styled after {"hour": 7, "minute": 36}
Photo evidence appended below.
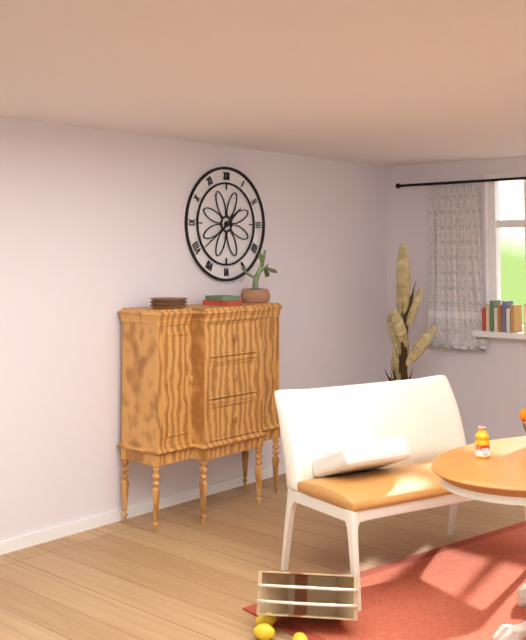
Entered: {"hour": 1, "minute": 39}
